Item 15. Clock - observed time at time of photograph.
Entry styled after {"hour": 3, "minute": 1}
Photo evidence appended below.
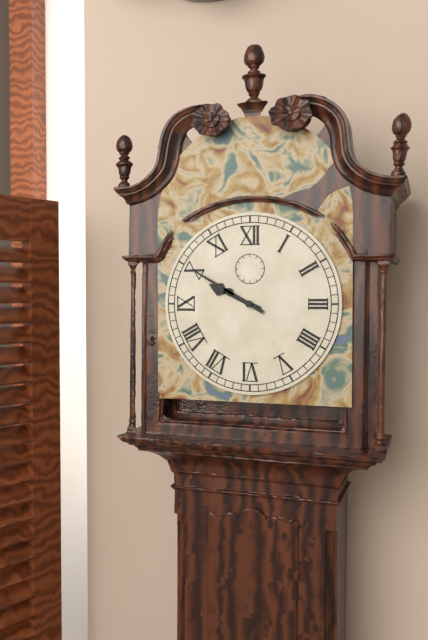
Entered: {"hour": 9, "minute": 50}
